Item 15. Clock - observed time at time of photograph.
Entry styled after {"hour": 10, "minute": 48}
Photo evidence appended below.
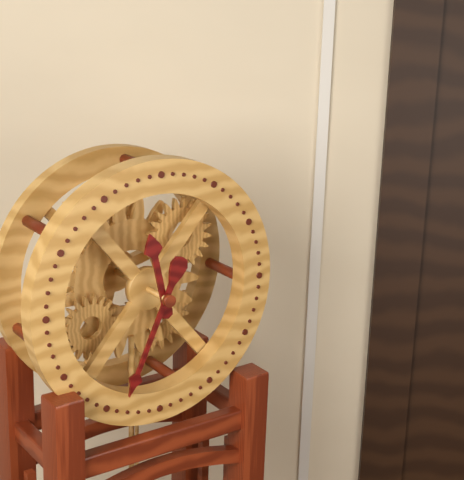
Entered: {"hour": 11, "minute": 34}
